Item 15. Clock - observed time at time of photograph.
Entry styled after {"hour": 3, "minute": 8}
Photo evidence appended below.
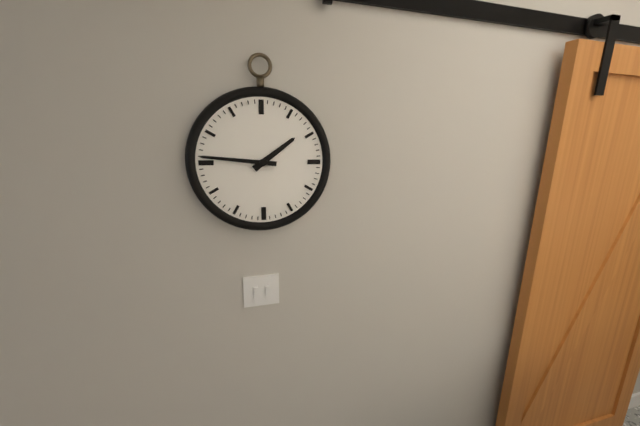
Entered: {"hour": 1, "minute": 46}
